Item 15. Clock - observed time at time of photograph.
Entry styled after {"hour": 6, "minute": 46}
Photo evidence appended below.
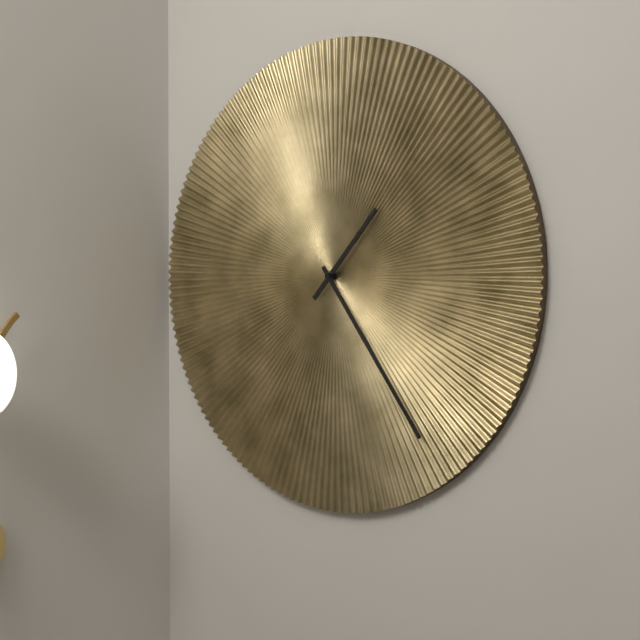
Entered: {"hour": 1, "minute": 24}
